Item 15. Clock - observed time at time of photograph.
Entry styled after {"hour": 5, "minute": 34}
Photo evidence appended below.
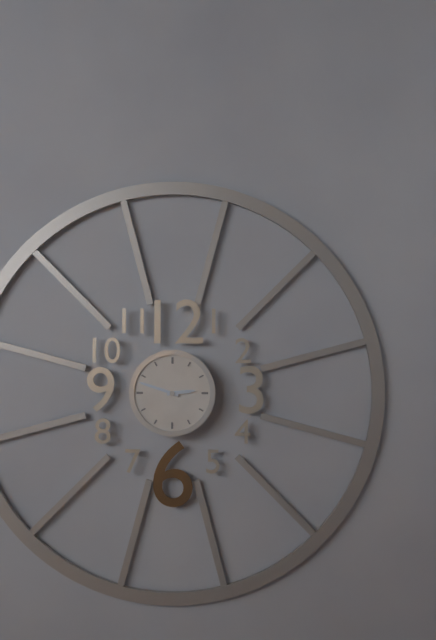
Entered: {"hour": 2, "minute": 48}
